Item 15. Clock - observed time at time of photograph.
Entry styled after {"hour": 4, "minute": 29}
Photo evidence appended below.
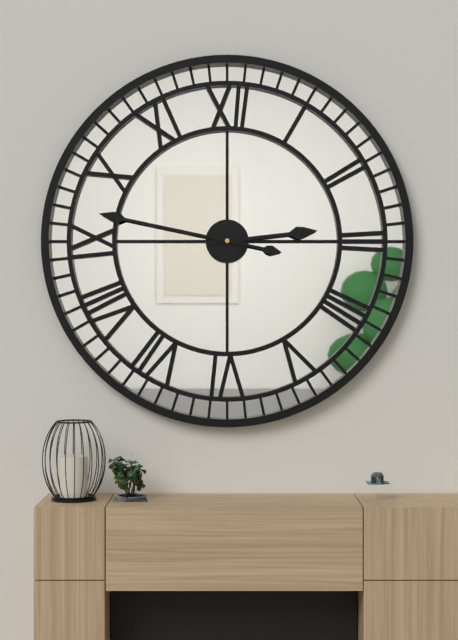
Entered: {"hour": 2, "minute": 47}
